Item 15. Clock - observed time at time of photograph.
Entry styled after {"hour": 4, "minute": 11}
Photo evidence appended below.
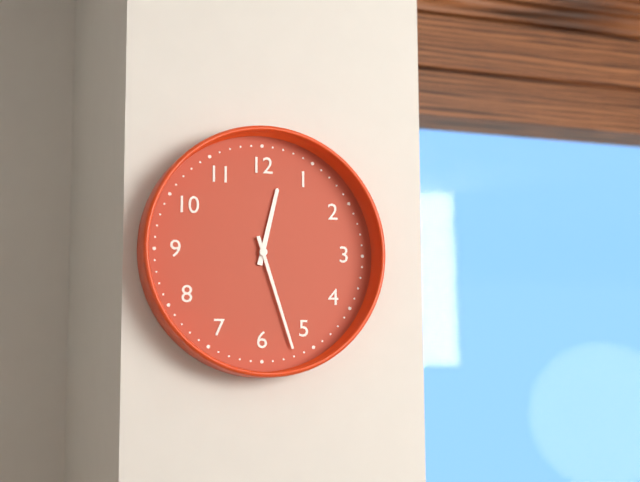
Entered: {"hour": 12, "minute": 27}
